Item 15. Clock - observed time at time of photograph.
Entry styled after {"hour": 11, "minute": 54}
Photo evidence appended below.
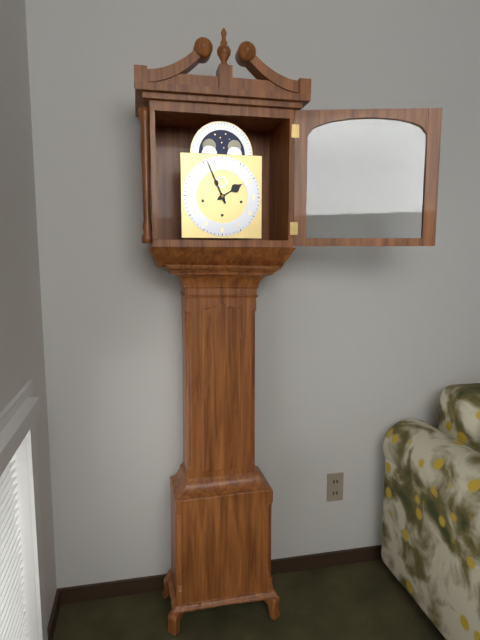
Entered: {"hour": 1, "minute": 56}
